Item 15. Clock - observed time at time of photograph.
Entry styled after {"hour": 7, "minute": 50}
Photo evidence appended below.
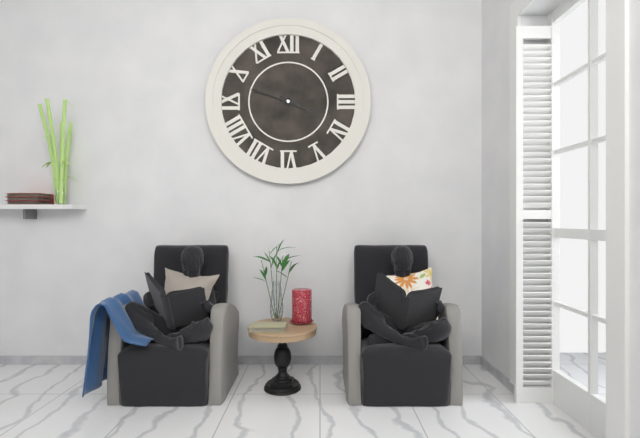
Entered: {"hour": 3, "minute": 48}
